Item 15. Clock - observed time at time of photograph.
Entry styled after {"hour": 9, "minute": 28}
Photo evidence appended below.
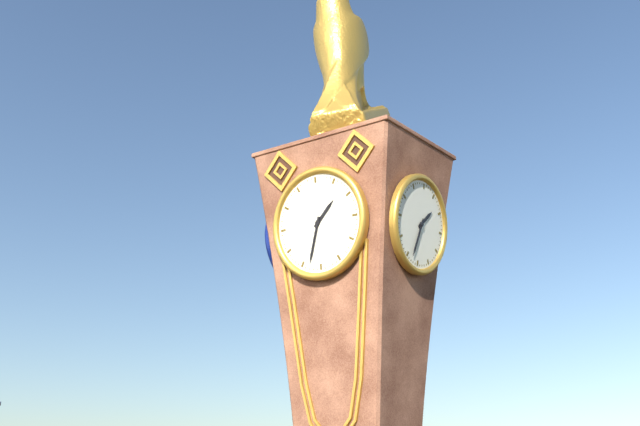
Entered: {"hour": 1, "minute": 33}
